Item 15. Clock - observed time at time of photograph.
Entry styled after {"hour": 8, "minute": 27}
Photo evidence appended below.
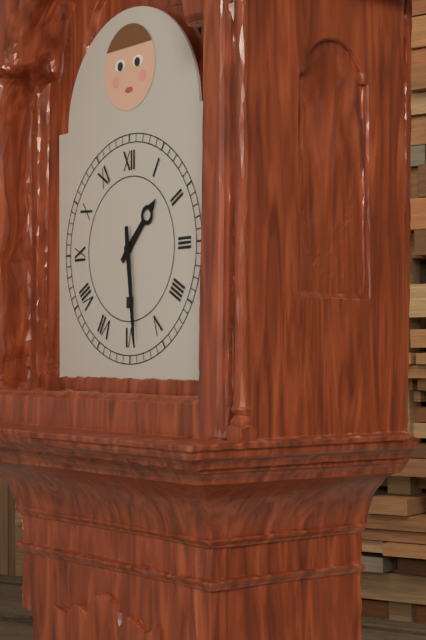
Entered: {"hour": 1, "minute": 29}
